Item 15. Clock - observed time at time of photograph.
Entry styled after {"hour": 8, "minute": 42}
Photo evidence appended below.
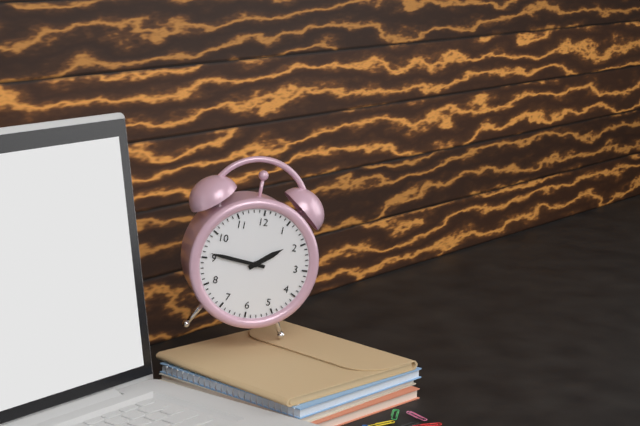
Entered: {"hour": 1, "minute": 46}
